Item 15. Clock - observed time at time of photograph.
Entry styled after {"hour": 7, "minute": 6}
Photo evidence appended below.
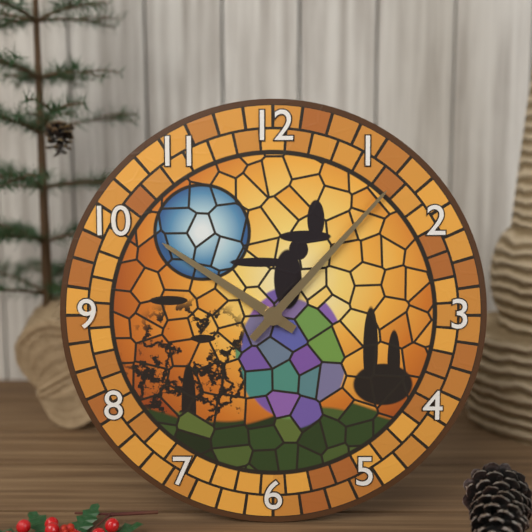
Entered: {"hour": 10, "minute": 7}
